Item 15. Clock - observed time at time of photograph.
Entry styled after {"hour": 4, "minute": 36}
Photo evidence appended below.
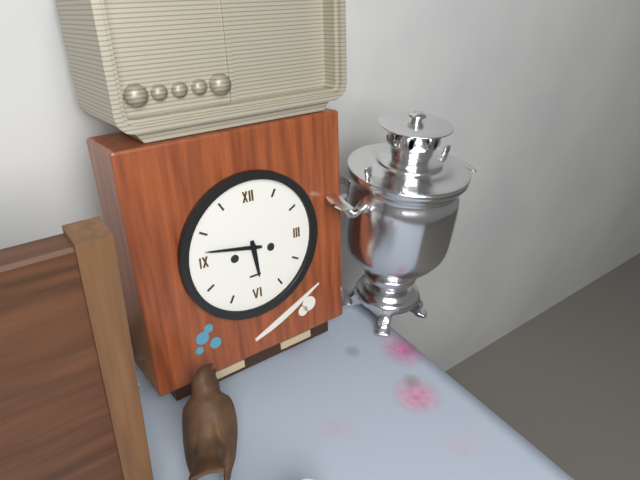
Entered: {"hour": 5, "minute": 47}
